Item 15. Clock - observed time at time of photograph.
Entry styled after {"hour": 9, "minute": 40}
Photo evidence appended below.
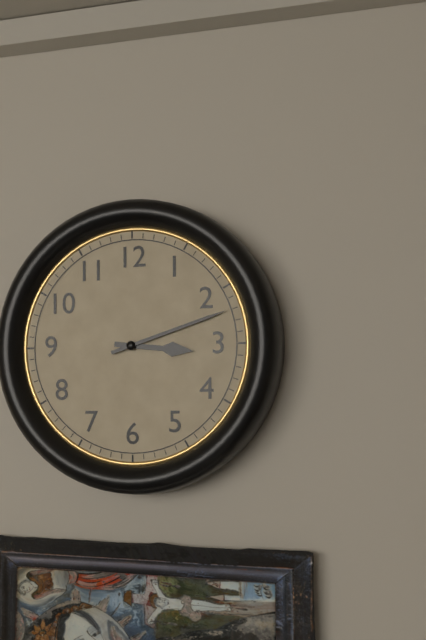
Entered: {"hour": 3, "minute": 12}
